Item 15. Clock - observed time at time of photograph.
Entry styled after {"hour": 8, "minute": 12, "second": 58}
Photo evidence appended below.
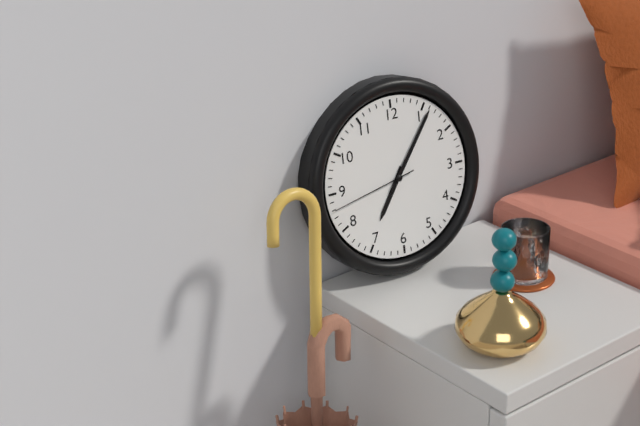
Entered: {"hour": 7, "minute": 6, "second": 43}
